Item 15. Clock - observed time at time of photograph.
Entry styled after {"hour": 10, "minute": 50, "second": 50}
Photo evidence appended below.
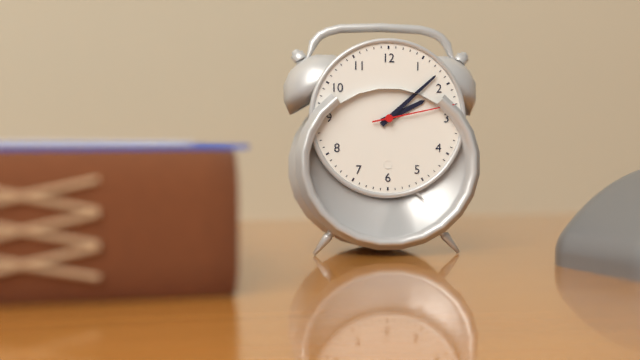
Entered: {"hour": 2, "minute": 8, "second": 13}
